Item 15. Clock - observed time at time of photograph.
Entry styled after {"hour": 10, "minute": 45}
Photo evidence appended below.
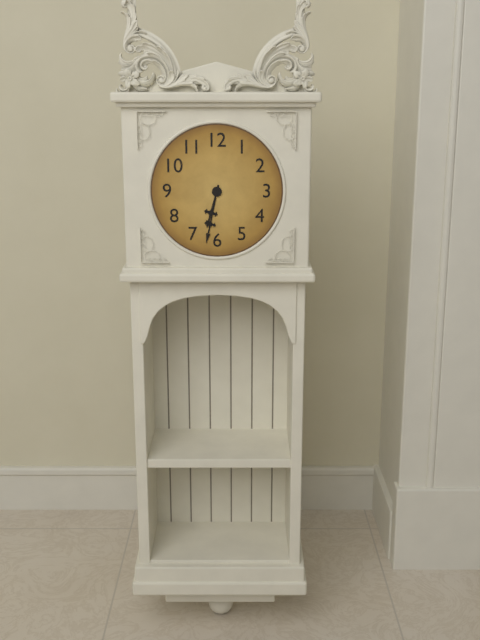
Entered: {"hour": 6, "minute": 32}
